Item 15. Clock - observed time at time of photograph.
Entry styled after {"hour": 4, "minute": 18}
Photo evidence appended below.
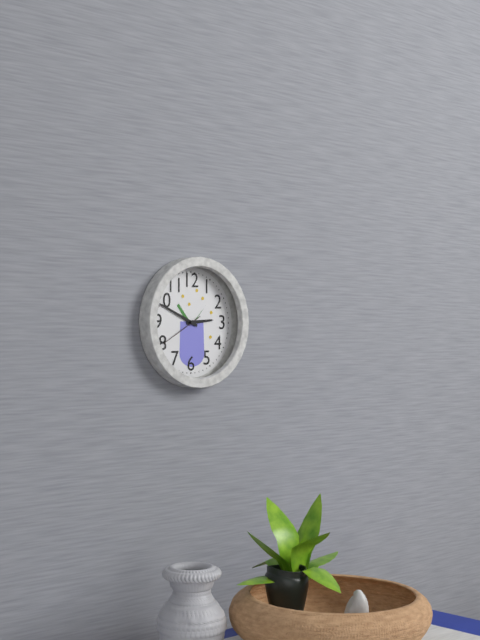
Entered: {"hour": 2, "minute": 49}
